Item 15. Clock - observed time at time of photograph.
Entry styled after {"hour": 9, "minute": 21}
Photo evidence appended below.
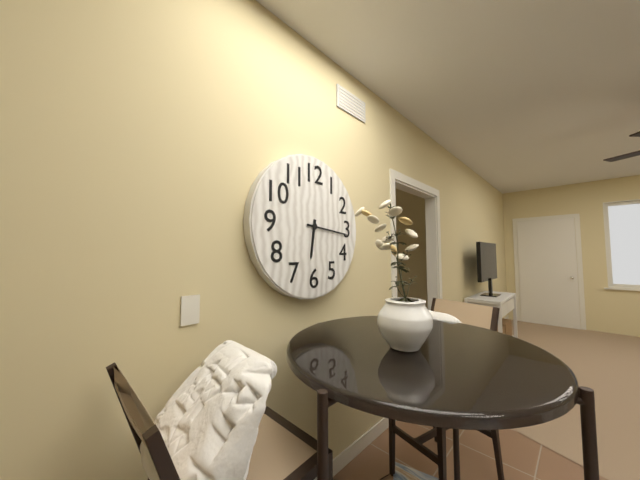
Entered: {"hour": 6, "minute": 16}
